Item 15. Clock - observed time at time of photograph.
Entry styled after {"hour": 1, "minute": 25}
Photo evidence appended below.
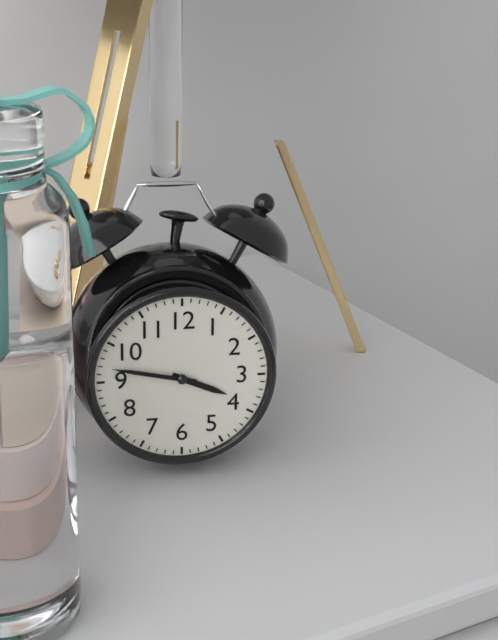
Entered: {"hour": 3, "minute": 47}
